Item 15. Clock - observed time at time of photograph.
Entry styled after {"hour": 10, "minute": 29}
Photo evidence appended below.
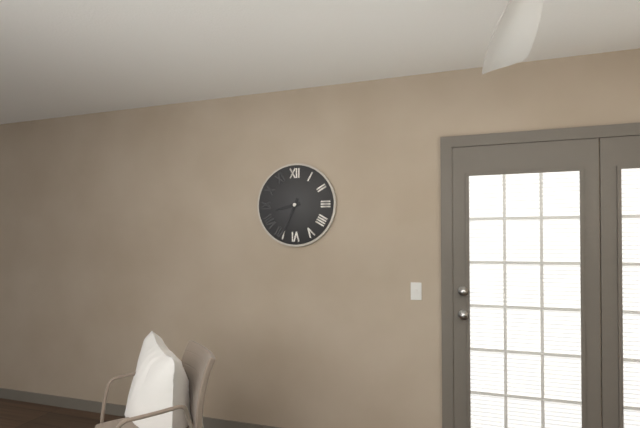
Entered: {"hour": 8, "minute": 34}
